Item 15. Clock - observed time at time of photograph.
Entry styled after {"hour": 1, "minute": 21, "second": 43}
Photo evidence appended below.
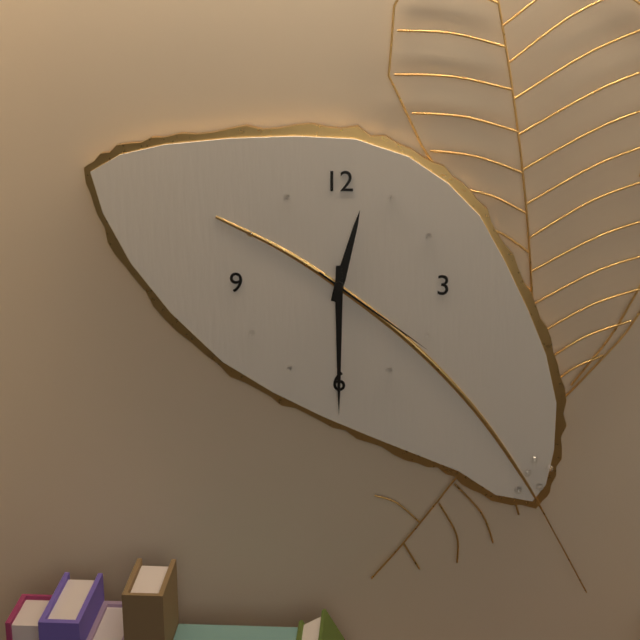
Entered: {"hour": 12, "minute": 30, "second": 21}
